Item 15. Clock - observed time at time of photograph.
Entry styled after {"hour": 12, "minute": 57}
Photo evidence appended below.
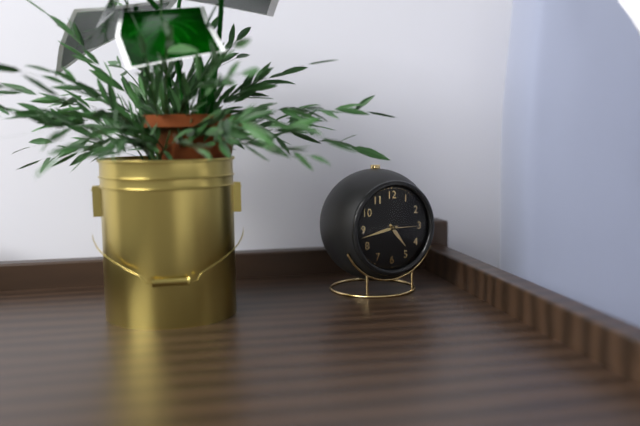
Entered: {"hour": 4, "minute": 43}
